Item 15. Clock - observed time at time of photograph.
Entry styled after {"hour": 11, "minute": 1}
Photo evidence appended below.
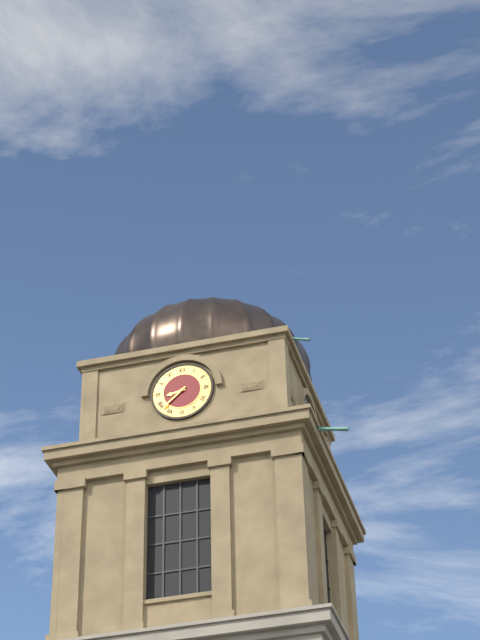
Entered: {"hour": 8, "minute": 38}
